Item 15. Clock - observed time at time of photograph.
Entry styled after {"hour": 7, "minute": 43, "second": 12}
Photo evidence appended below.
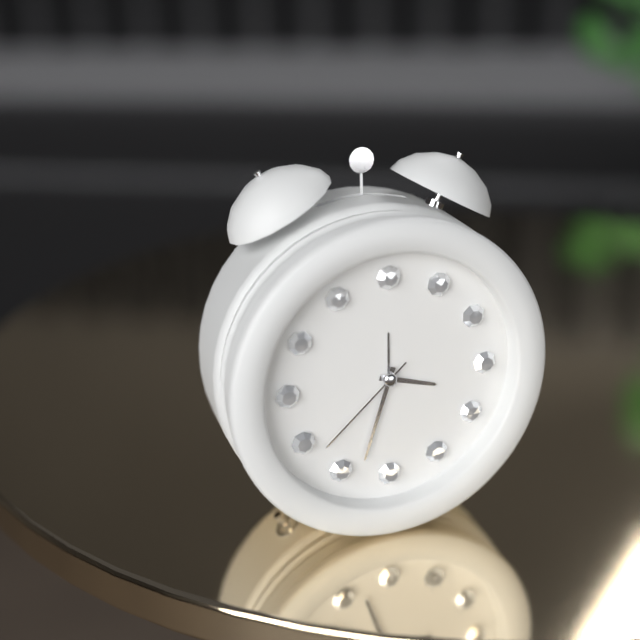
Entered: {"hour": 3, "minute": 33, "second": 38}
